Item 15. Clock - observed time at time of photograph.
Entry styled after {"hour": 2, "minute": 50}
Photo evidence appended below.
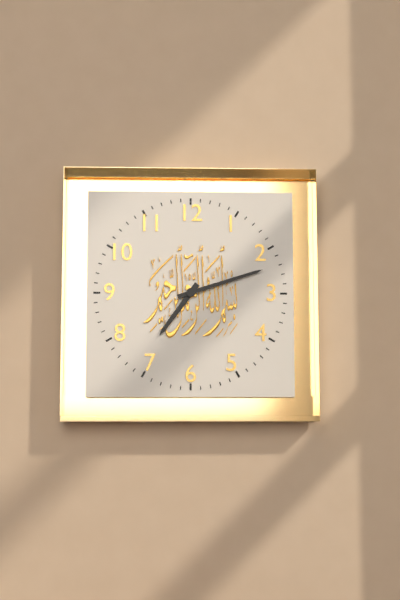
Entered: {"hour": 7, "minute": 12}
